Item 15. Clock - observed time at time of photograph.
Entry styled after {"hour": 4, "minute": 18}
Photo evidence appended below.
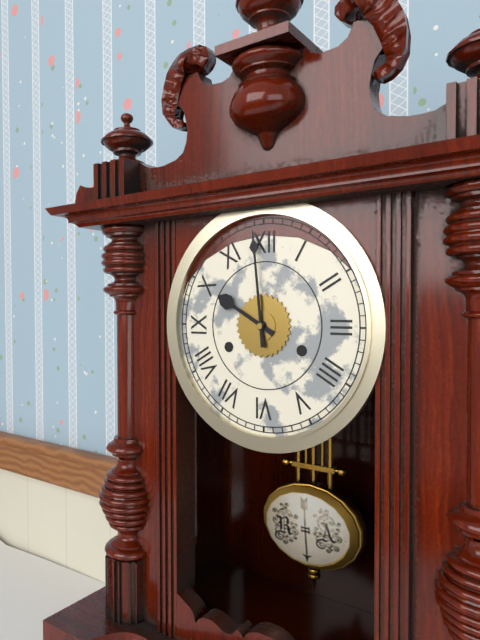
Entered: {"hour": 9, "minute": 59}
